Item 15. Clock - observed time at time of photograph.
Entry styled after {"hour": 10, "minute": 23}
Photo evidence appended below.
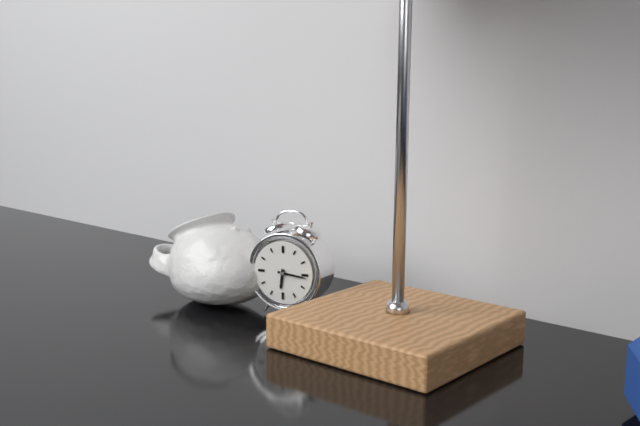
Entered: {"hour": 6, "minute": 16}
